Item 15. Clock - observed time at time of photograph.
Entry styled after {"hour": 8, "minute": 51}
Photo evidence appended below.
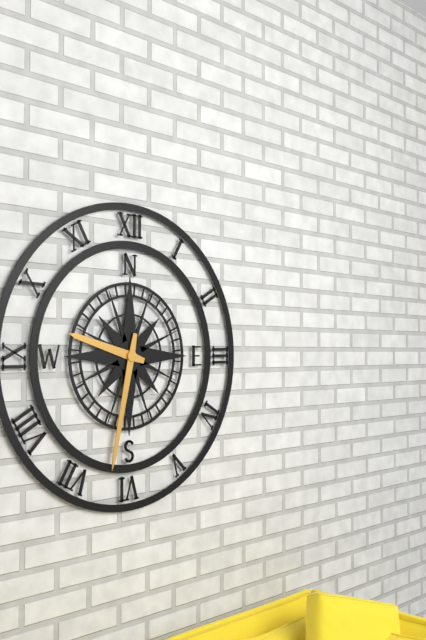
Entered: {"hour": 9, "minute": 32}
